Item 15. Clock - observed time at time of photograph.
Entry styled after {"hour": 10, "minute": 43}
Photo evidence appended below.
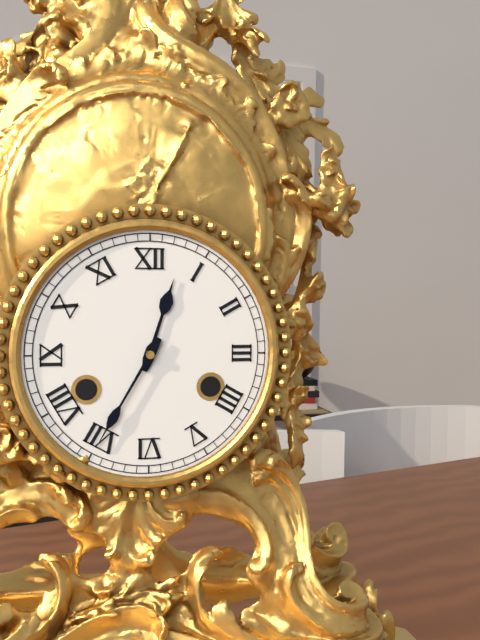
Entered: {"hour": 12, "minute": 35}
